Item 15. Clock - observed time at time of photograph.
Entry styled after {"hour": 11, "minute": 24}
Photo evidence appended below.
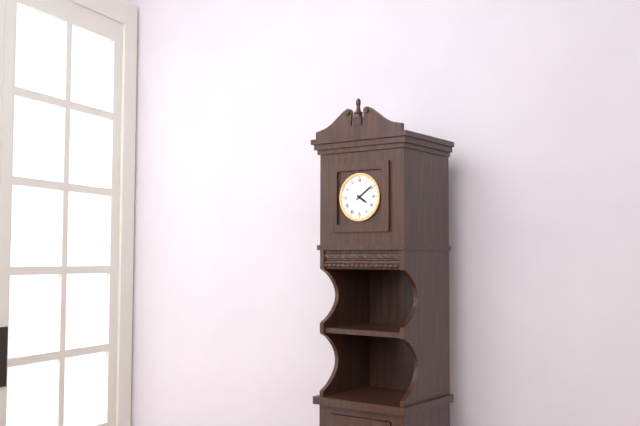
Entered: {"hour": 4, "minute": 9}
